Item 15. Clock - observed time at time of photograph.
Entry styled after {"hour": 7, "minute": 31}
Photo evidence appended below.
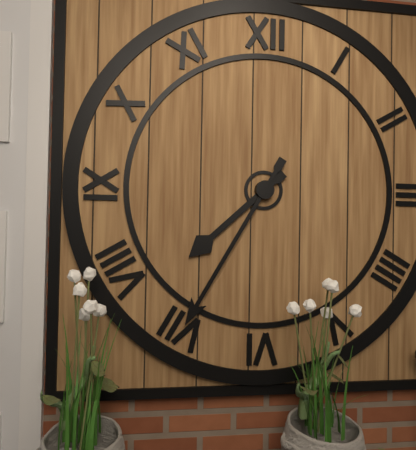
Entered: {"hour": 7, "minute": 35}
